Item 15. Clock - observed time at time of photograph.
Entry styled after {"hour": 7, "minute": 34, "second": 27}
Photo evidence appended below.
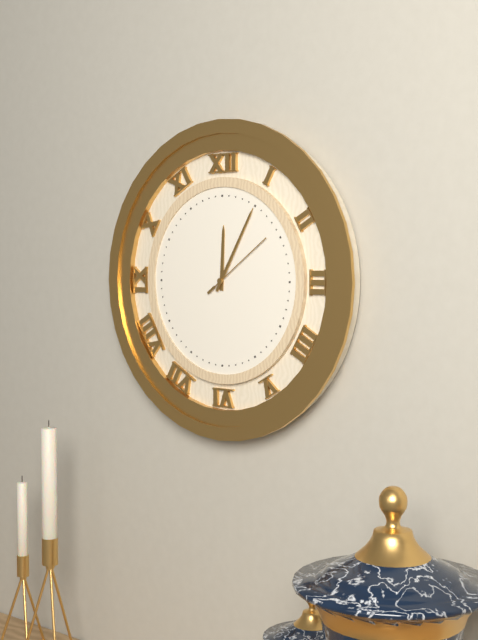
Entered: {"hour": 12, "minute": 5, "second": 9}
